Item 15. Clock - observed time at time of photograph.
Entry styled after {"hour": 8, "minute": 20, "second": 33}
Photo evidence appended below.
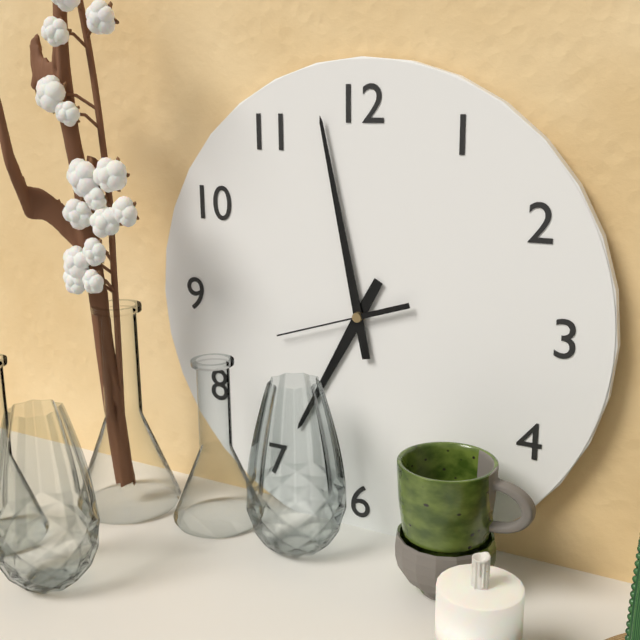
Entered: {"hour": 6, "minute": 58, "second": 42}
